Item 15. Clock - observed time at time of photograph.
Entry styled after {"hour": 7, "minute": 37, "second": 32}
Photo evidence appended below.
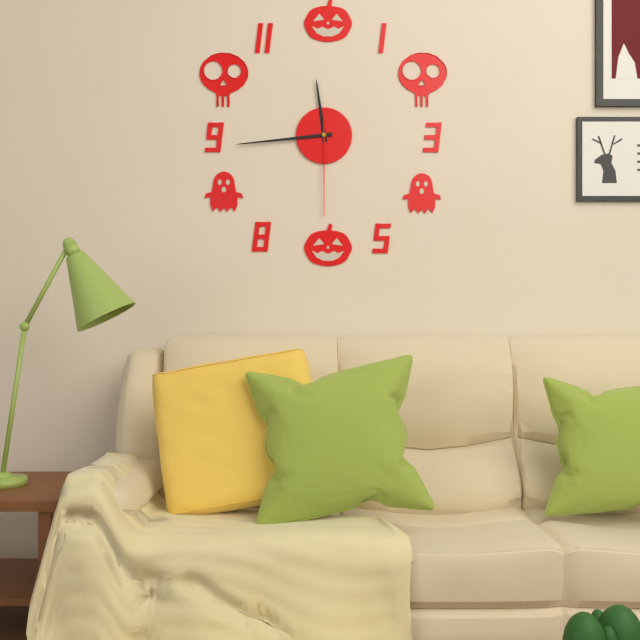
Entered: {"hour": 11, "minute": 44, "second": 30}
